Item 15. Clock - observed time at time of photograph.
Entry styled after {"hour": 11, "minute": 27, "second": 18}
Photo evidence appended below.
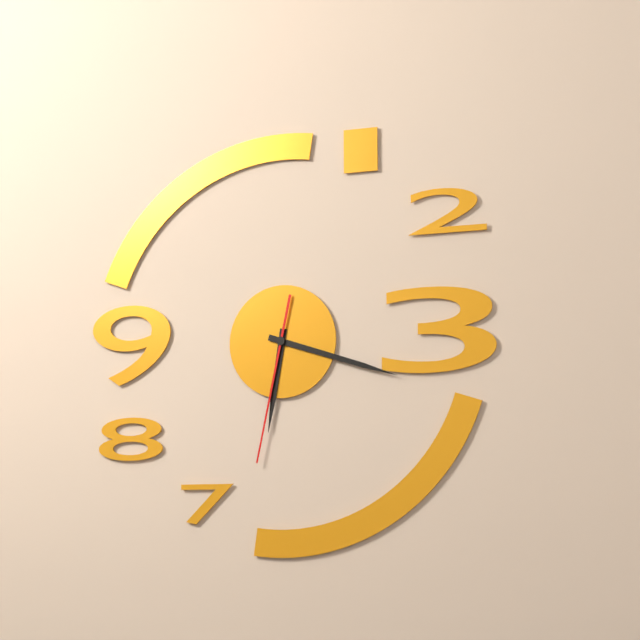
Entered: {"hour": 6, "minute": 18, "second": 32}
